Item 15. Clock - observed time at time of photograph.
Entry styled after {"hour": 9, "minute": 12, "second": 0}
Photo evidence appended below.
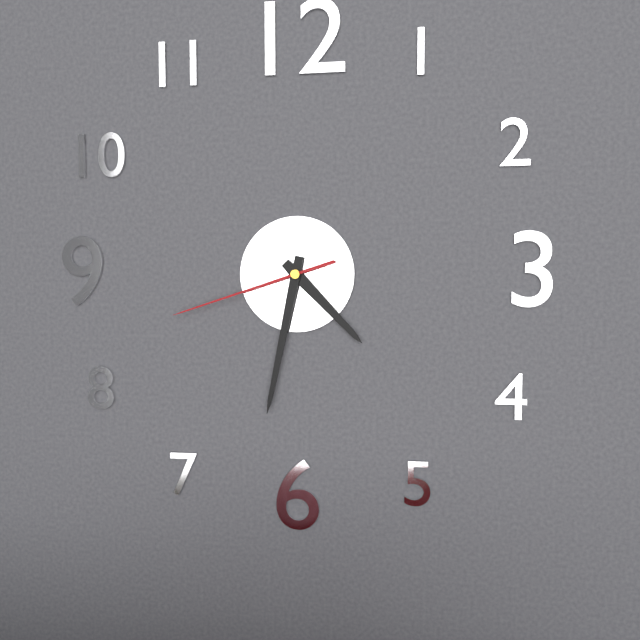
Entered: {"hour": 4, "minute": 32, "second": 42}
